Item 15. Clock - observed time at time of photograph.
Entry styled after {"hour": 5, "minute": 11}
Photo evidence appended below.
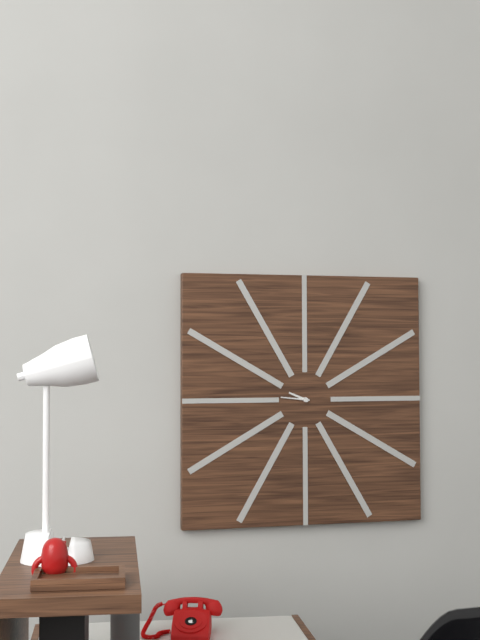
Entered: {"hour": 9, "minute": 46}
